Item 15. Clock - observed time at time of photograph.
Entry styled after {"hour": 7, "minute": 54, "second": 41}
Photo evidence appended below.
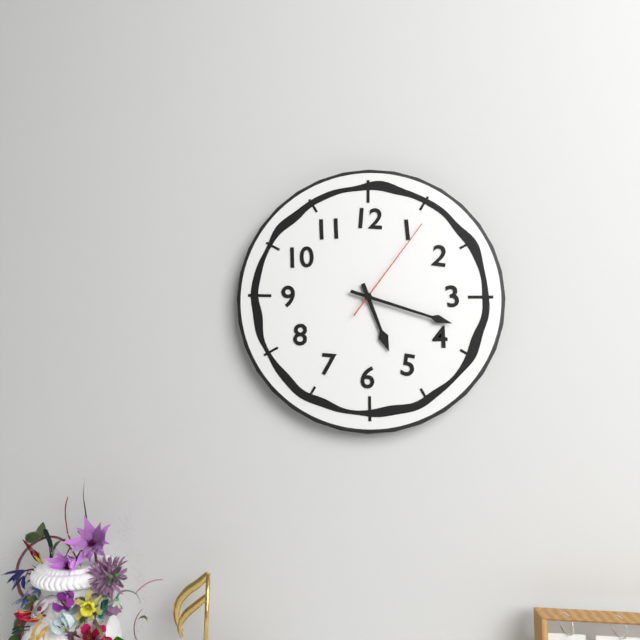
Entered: {"hour": 5, "minute": 18, "second": 6}
